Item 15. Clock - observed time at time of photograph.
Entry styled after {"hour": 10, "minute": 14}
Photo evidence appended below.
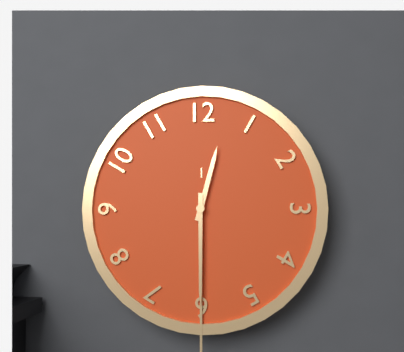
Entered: {"hour": 12, "minute": 30}
